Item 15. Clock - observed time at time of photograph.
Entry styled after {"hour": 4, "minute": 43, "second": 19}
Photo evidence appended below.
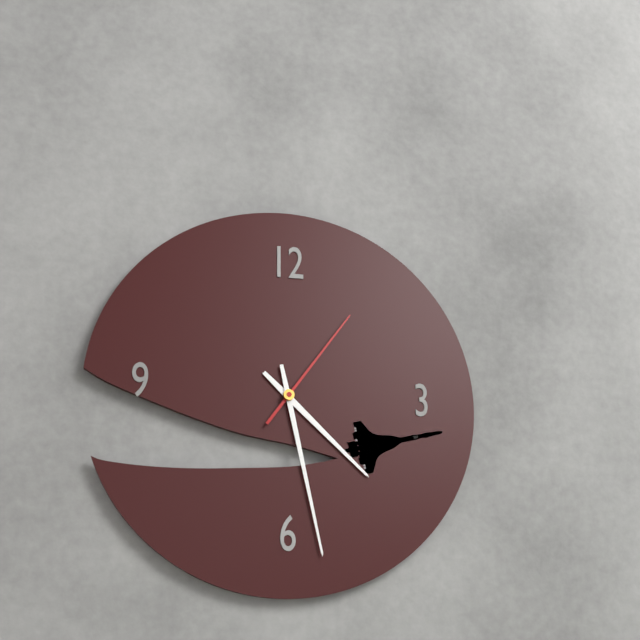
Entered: {"hour": 4, "minute": 28, "second": 6}
